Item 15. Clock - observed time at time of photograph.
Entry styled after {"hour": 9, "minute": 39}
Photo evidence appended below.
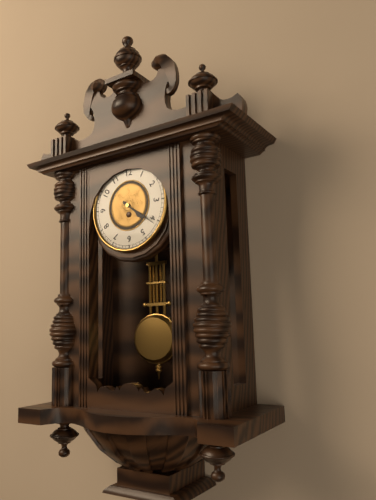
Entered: {"hour": 4, "minute": 21}
